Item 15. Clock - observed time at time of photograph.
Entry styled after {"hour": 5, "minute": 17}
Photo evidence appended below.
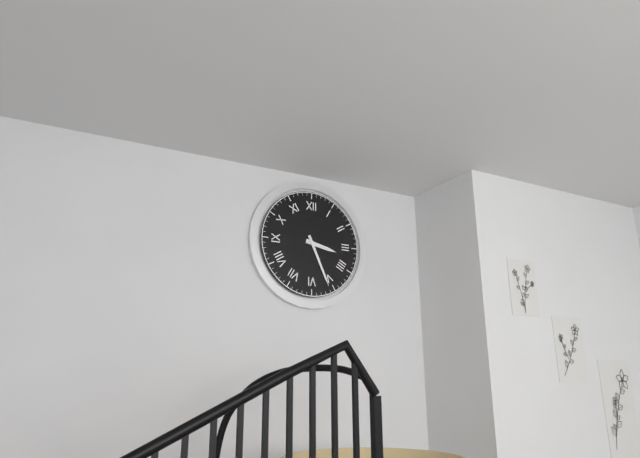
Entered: {"hour": 3, "minute": 26}
